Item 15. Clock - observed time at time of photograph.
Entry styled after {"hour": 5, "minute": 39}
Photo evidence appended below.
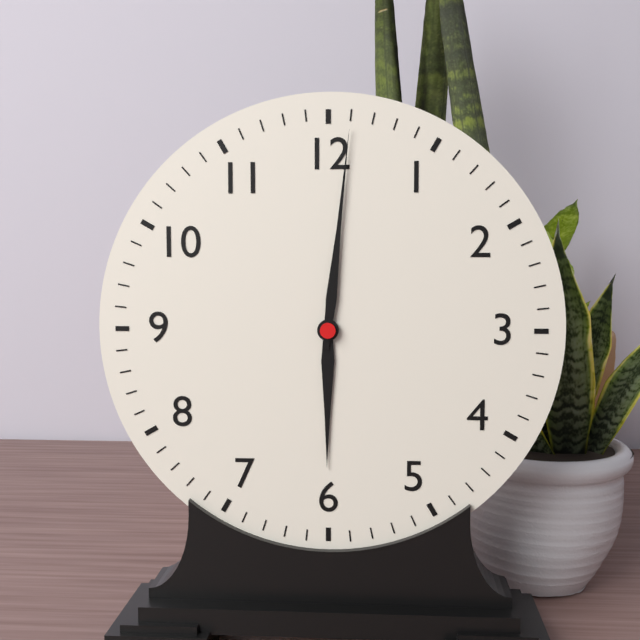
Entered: {"hour": 6, "minute": 1}
